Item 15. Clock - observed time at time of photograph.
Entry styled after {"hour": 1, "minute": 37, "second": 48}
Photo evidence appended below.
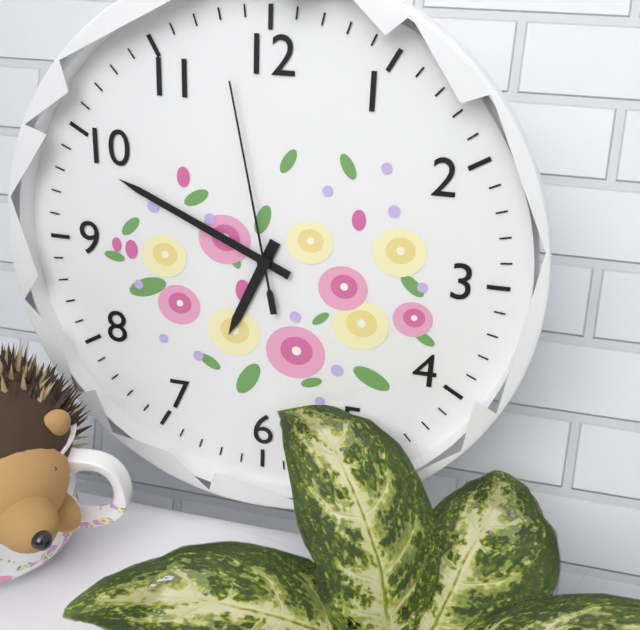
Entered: {"hour": 6, "minute": 49, "second": 58}
